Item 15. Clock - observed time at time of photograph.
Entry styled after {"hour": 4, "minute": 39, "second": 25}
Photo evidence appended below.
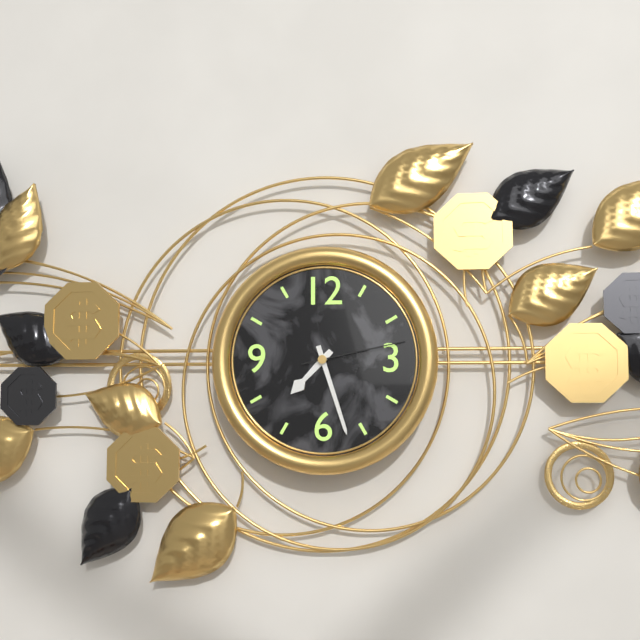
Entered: {"hour": 7, "minute": 27, "second": 13}
